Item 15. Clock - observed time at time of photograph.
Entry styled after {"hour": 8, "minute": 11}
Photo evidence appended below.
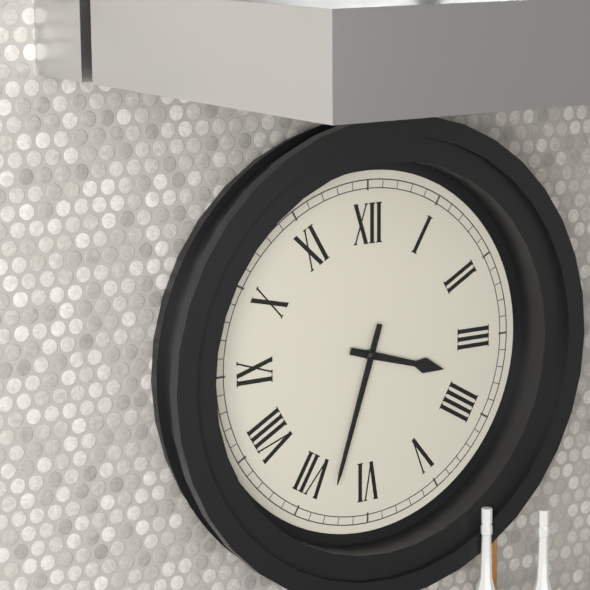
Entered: {"hour": 3, "minute": 33}
